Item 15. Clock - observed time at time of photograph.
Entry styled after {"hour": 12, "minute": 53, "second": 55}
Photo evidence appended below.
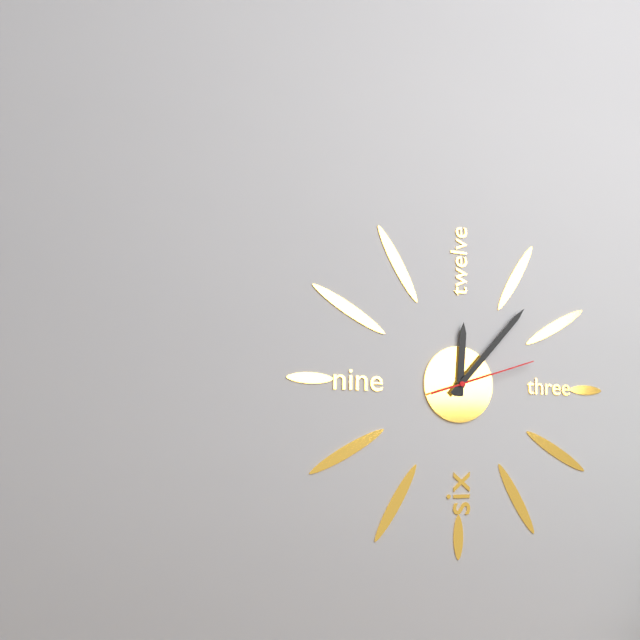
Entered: {"hour": 12, "minute": 7, "second": 12}
